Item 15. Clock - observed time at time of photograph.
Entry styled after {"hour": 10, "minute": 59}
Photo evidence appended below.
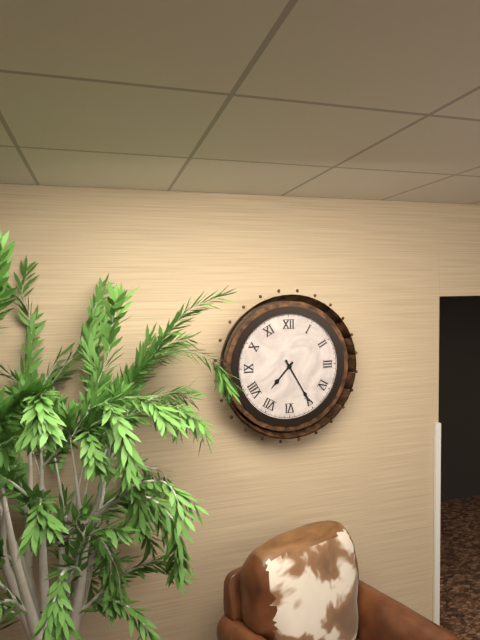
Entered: {"hour": 7, "minute": 25}
